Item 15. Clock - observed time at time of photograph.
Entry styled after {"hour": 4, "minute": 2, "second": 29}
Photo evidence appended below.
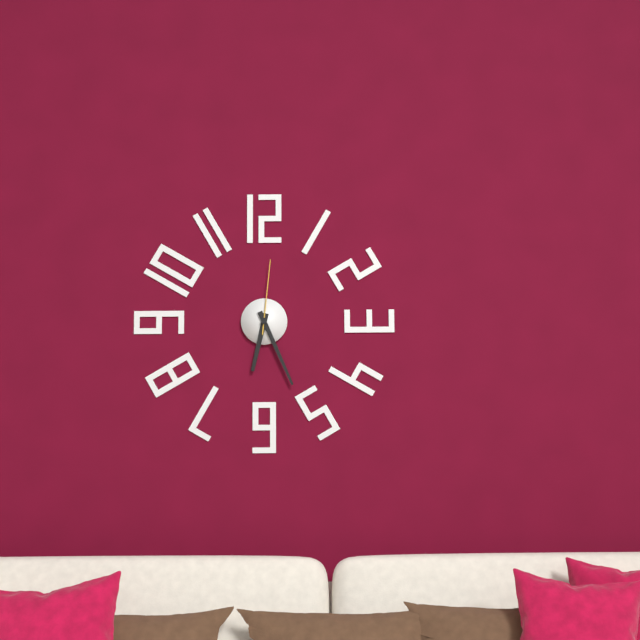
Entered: {"hour": 6, "minute": 26, "second": 1}
